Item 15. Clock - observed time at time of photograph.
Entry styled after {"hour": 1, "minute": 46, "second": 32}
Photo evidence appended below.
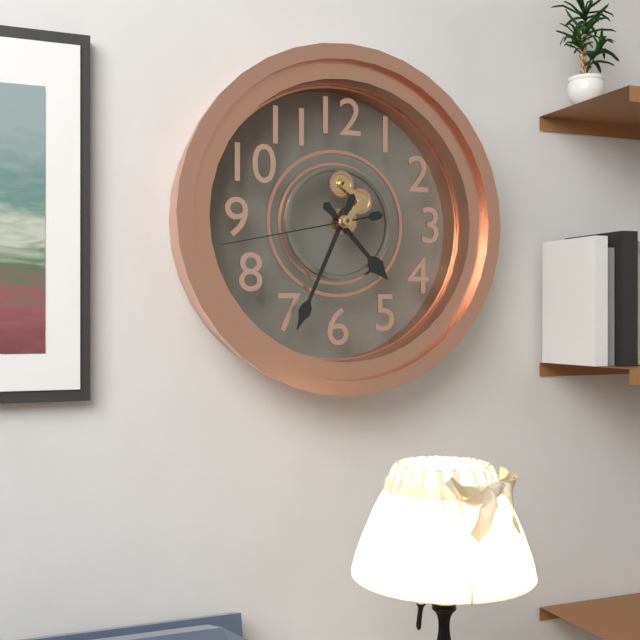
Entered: {"hour": 4, "minute": 34, "second": 43}
